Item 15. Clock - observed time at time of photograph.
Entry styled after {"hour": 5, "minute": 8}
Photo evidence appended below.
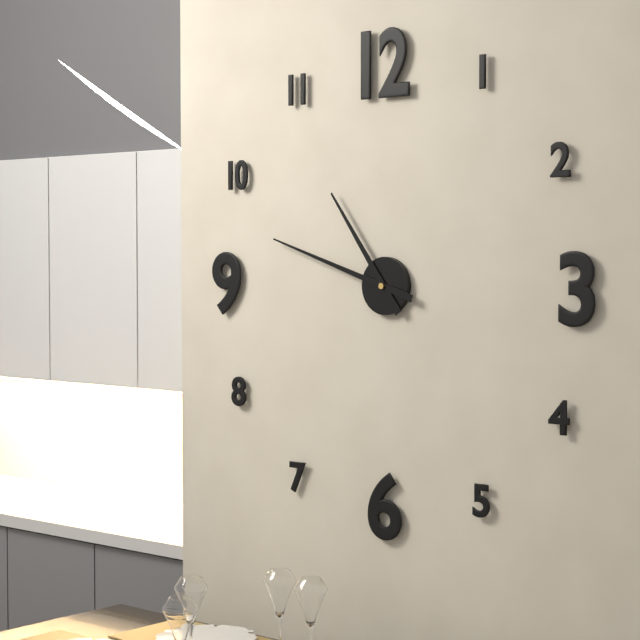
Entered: {"hour": 10, "minute": 48}
